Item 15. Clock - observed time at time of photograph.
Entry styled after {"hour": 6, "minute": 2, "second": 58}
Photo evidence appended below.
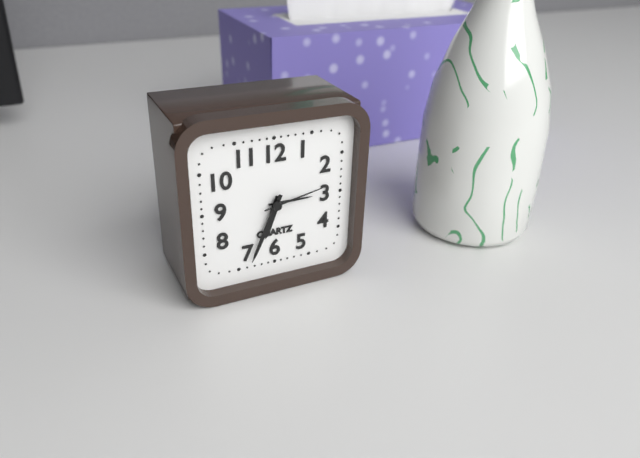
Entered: {"hour": 6, "minute": 34, "second": 13}
